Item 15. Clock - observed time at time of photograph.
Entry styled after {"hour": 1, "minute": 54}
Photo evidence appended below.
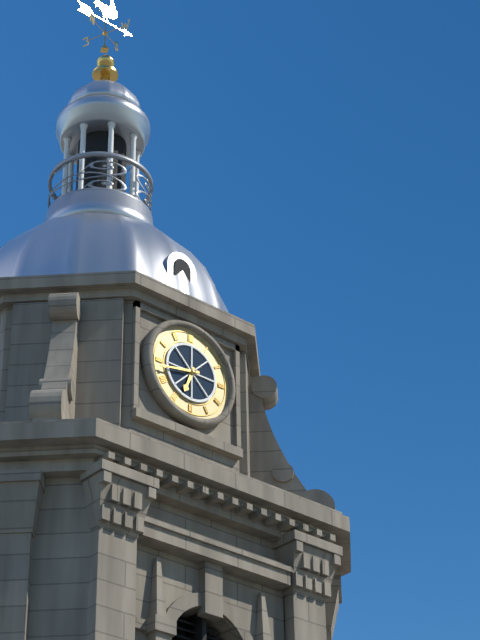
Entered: {"hour": 6, "minute": 43}
